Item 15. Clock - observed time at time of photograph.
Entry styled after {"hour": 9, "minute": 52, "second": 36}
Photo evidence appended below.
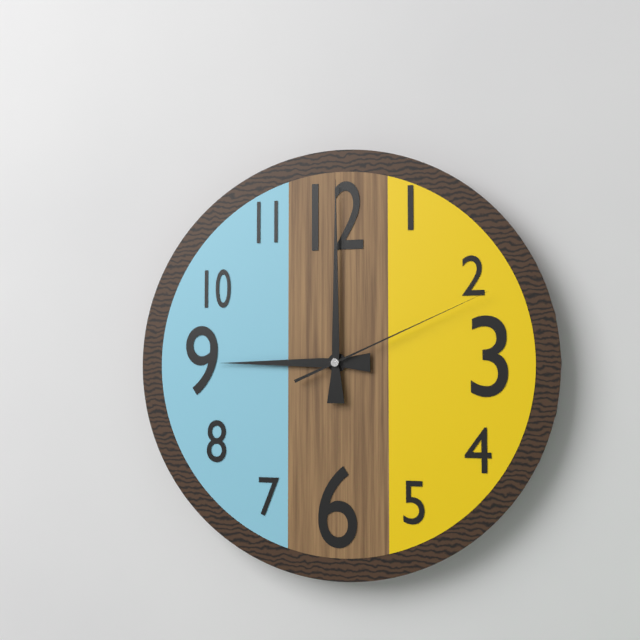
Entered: {"hour": 9, "minute": 0, "second": 11}
